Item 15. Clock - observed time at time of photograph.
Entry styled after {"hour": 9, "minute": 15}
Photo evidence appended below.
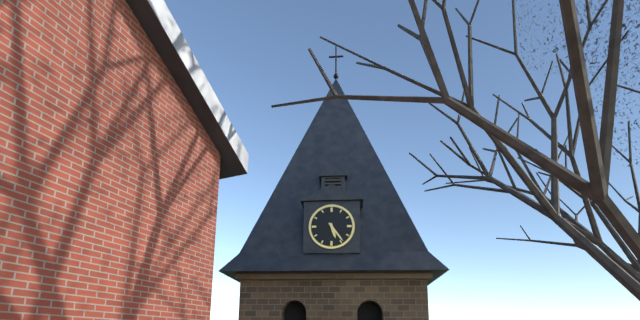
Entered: {"hour": 5, "minute": 24}
